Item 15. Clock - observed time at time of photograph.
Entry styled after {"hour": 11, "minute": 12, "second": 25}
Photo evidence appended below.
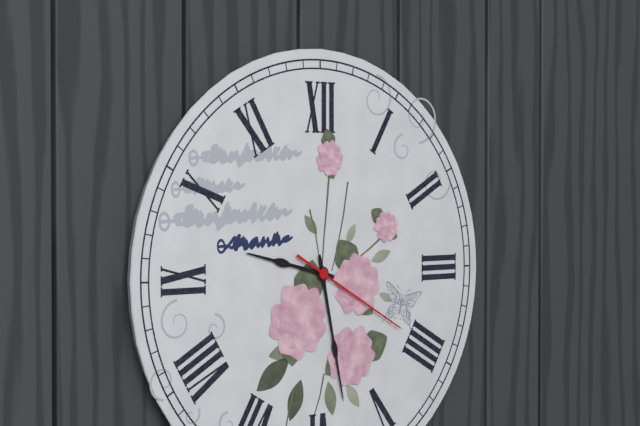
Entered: {"hour": 9, "minute": 28, "second": 20}
